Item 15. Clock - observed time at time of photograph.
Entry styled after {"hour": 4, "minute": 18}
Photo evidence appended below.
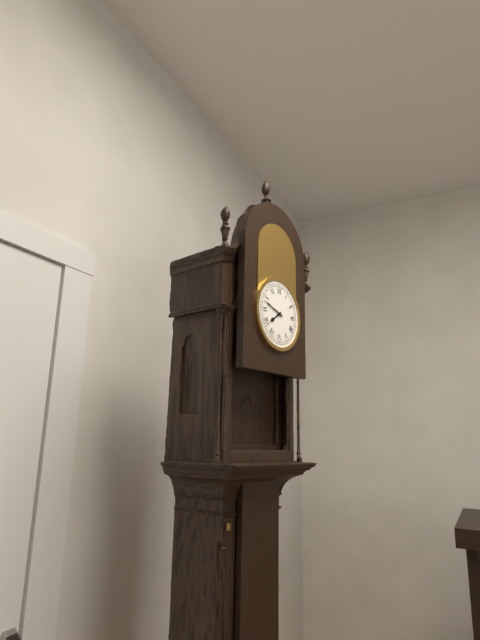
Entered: {"hour": 7, "minute": 48}
